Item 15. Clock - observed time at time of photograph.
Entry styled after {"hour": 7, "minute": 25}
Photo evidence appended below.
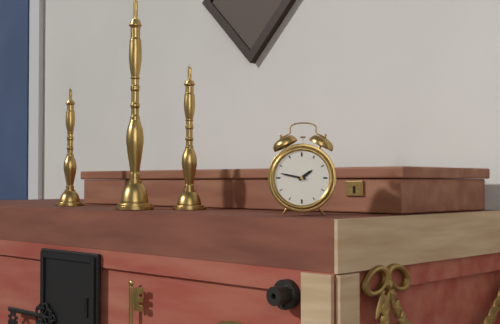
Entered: {"hour": 1, "minute": 47}
